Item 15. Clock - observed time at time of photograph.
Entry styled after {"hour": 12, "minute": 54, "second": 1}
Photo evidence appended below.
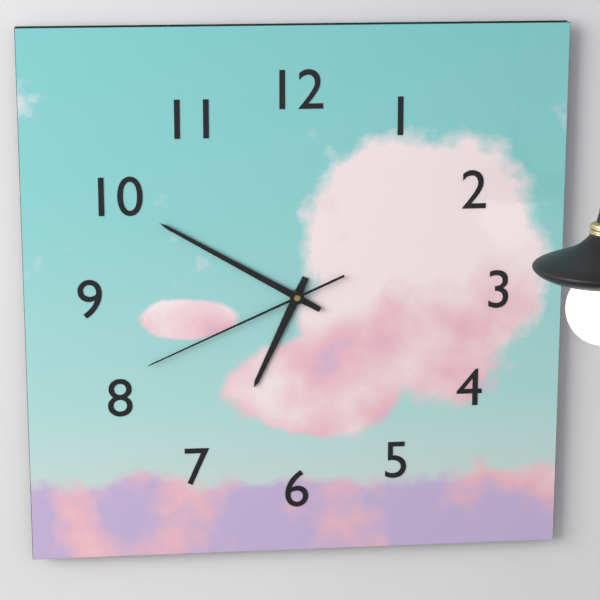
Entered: {"hour": 6, "minute": 50, "second": 41}
